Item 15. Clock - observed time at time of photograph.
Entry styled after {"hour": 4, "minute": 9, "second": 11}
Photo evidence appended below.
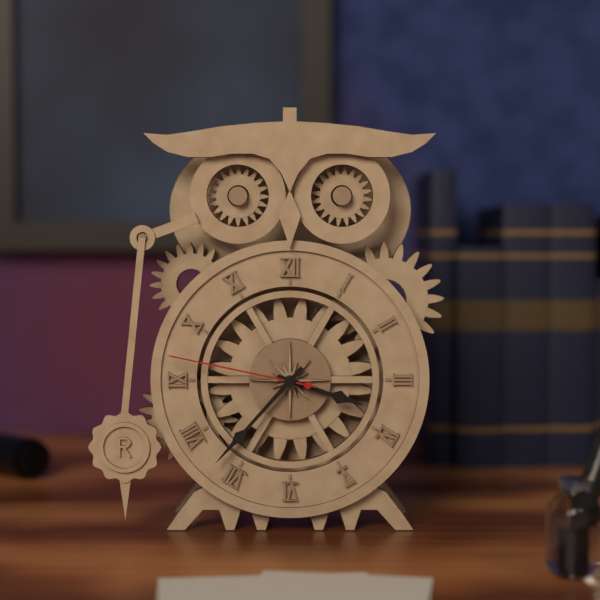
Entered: {"hour": 3, "minute": 37, "second": 47}
